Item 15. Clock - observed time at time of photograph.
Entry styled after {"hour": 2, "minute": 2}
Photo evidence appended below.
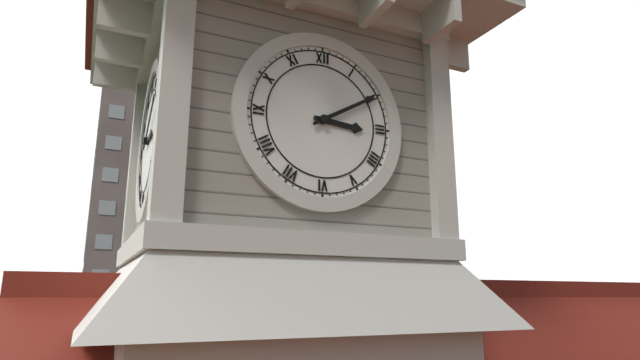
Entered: {"hour": 3, "minute": 10}
